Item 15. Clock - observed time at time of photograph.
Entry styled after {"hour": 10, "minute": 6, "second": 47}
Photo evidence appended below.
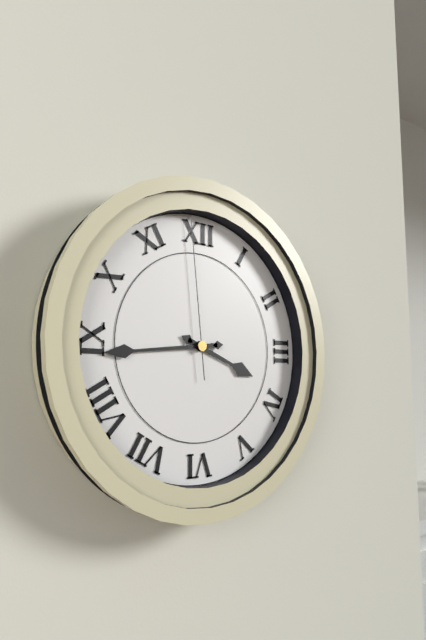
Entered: {"hour": 3, "minute": 44, "second": 59}
